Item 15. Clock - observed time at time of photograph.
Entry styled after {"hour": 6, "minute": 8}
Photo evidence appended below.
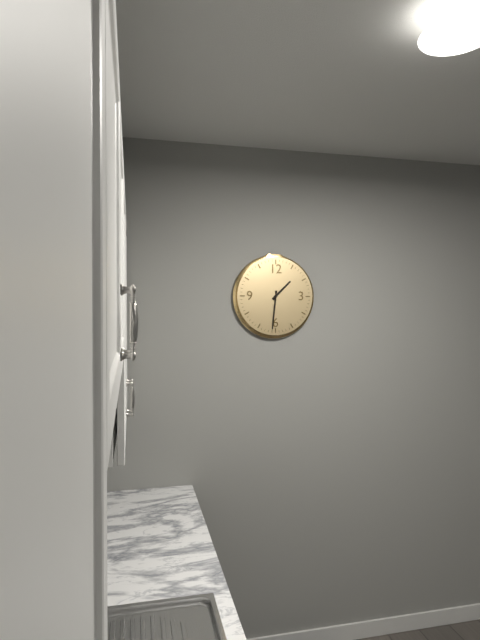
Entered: {"hour": 1, "minute": 31}
